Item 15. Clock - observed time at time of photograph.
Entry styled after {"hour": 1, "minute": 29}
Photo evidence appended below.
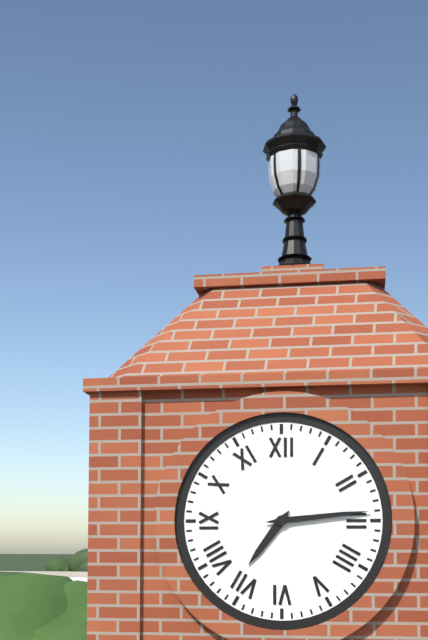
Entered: {"hour": 7, "minute": 14}
